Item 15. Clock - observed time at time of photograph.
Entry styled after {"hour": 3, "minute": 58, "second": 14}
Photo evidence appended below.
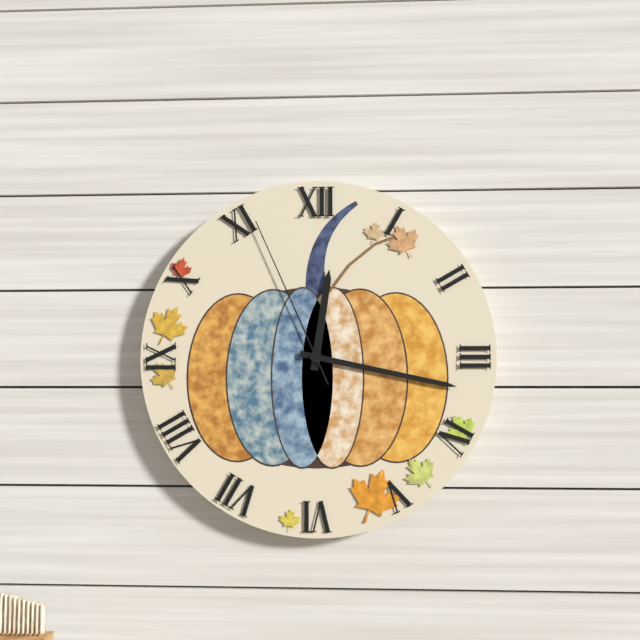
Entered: {"hour": 12, "minute": 17, "second": 56}
